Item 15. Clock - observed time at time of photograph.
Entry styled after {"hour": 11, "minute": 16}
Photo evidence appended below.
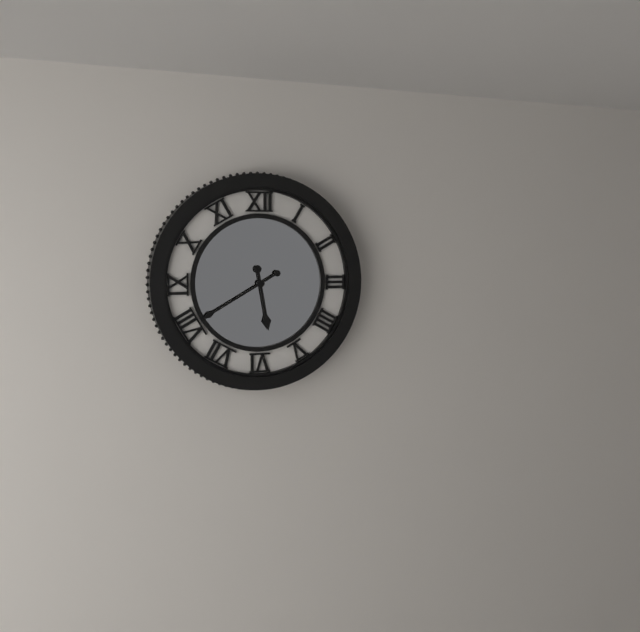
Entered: {"hour": 5, "minute": 40}
